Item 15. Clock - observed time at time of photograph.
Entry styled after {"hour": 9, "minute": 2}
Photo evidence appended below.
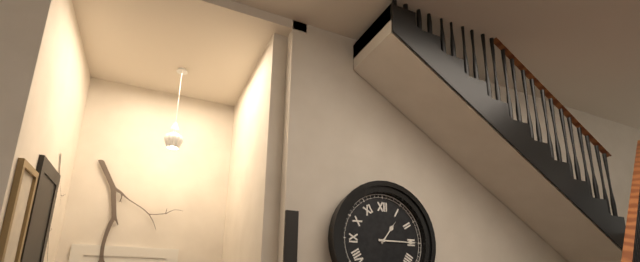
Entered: {"hour": 1, "minute": 15}
